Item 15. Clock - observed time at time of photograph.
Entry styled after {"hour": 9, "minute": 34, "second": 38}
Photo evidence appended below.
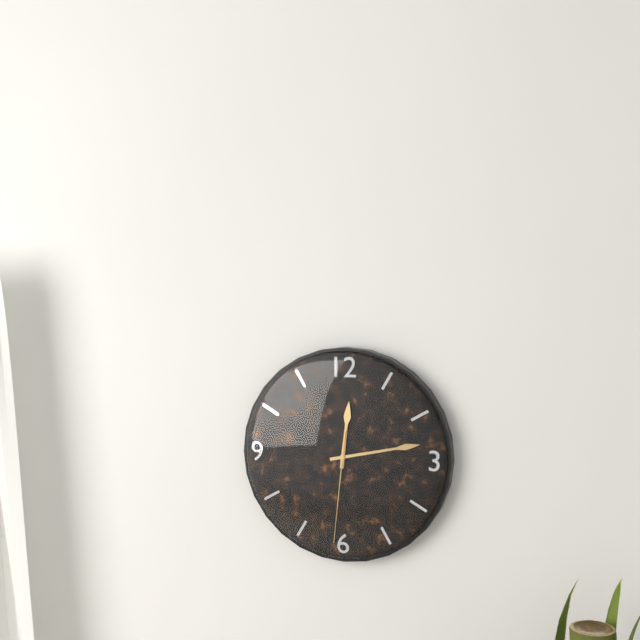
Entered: {"hour": 12, "minute": 13, "second": 31}
